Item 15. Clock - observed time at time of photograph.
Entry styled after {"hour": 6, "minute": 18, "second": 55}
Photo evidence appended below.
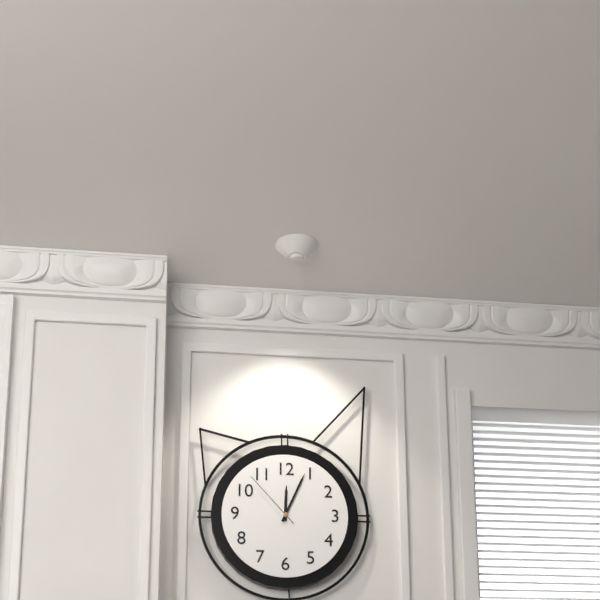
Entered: {"hour": 12, "minute": 4, "second": 53}
